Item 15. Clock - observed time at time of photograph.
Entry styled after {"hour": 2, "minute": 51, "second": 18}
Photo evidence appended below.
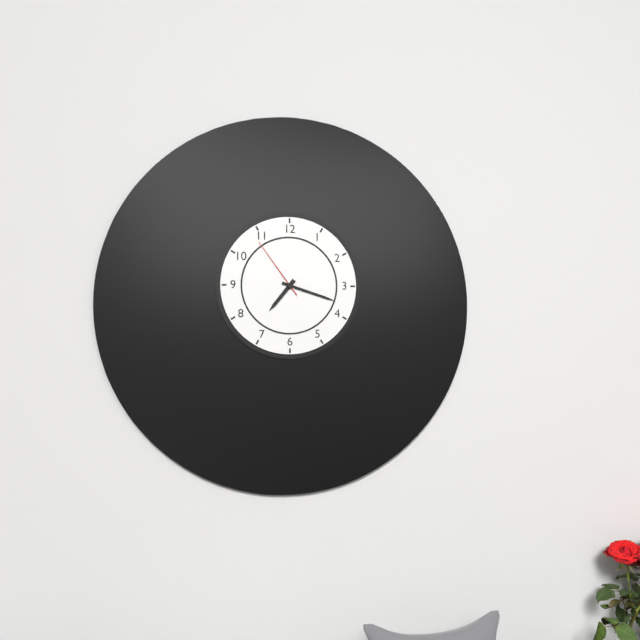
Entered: {"hour": 7, "minute": 18, "second": 54}
